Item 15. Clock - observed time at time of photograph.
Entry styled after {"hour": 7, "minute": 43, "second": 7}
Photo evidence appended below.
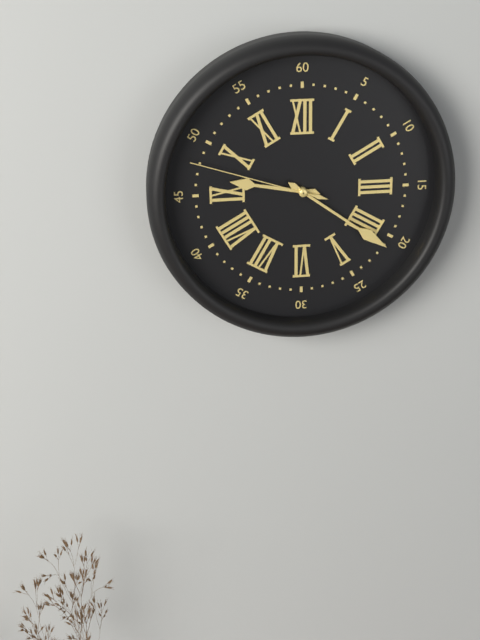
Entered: {"hour": 9, "minute": 21, "second": 48}
